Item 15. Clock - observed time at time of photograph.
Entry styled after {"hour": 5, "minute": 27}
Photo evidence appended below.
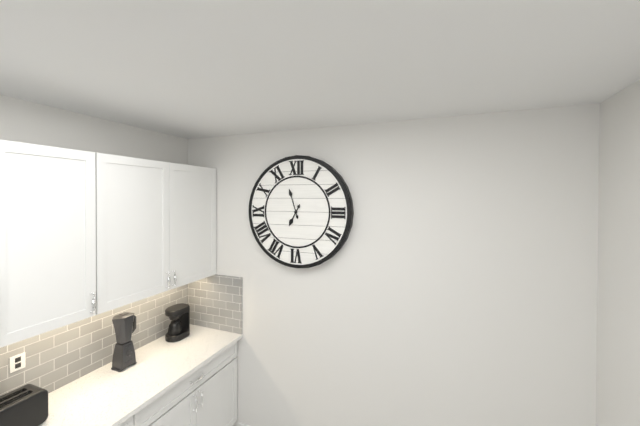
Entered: {"hour": 6, "minute": 57}
